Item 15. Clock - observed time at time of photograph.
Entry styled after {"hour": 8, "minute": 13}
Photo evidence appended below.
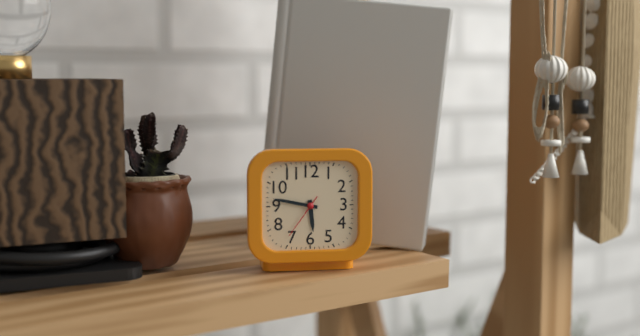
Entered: {"hour": 5, "minute": 47}
